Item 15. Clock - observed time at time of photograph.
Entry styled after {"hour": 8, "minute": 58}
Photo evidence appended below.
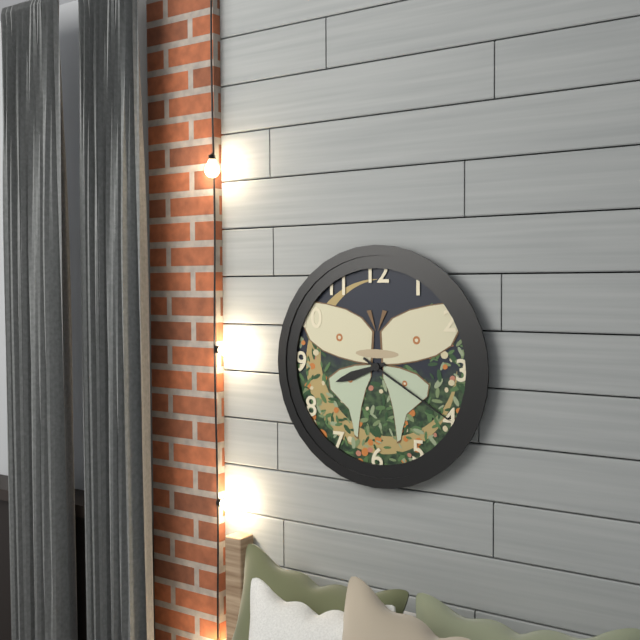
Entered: {"hour": 8, "minute": 20}
